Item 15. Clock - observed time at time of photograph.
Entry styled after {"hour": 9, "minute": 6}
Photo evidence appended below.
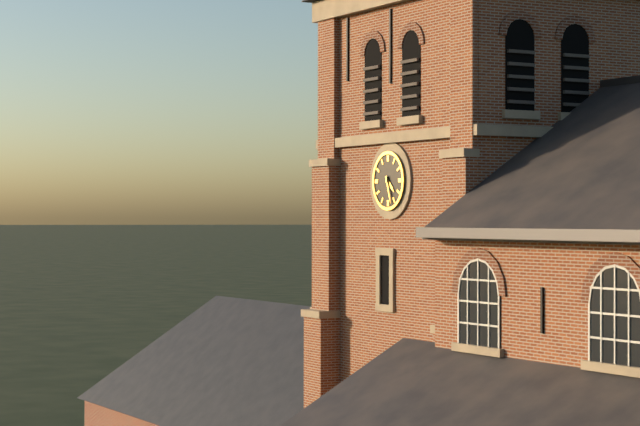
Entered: {"hour": 4, "minute": 27}
